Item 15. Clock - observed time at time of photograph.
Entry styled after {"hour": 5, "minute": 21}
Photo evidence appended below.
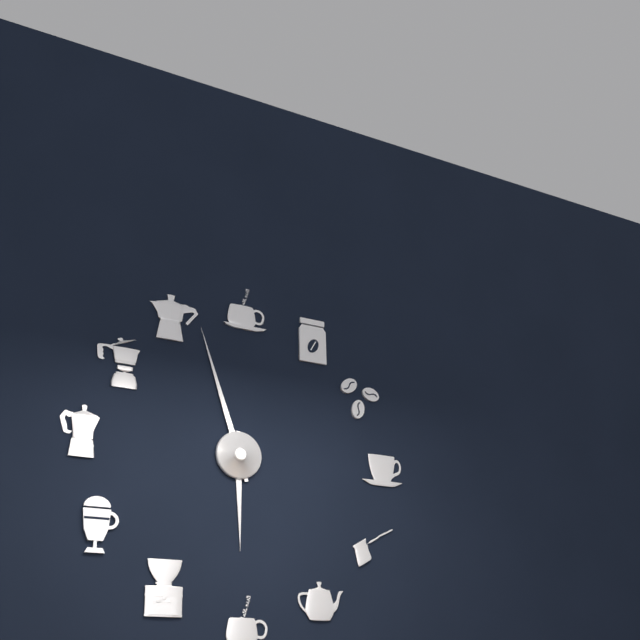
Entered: {"hour": 5, "minute": 57}
